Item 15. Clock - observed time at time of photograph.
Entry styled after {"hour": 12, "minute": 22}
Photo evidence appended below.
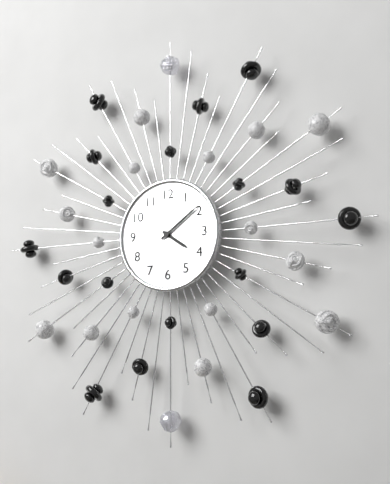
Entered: {"hour": 4, "minute": 9}
